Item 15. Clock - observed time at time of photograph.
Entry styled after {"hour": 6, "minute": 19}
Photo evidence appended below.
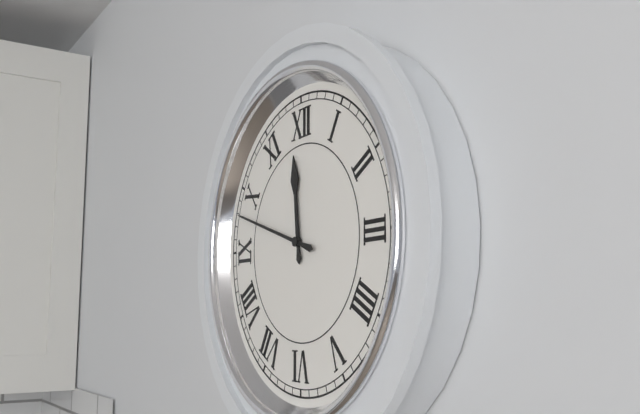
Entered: {"hour": 11, "minute": 48}
